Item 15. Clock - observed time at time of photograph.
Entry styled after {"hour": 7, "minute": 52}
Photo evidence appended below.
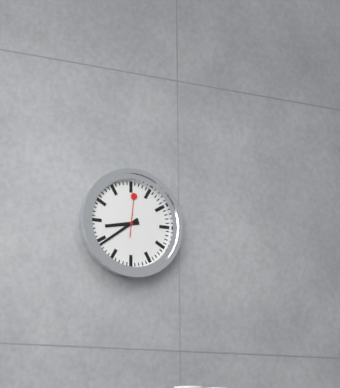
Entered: {"hour": 8, "minute": 39}
